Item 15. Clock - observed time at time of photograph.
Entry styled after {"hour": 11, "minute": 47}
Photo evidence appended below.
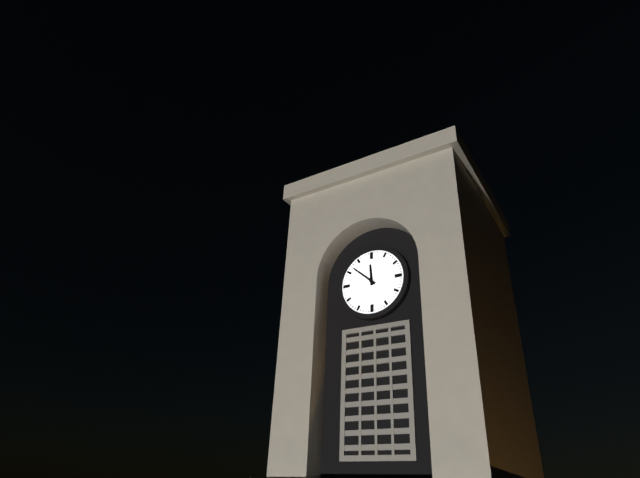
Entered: {"hour": 11, "minute": 52}
